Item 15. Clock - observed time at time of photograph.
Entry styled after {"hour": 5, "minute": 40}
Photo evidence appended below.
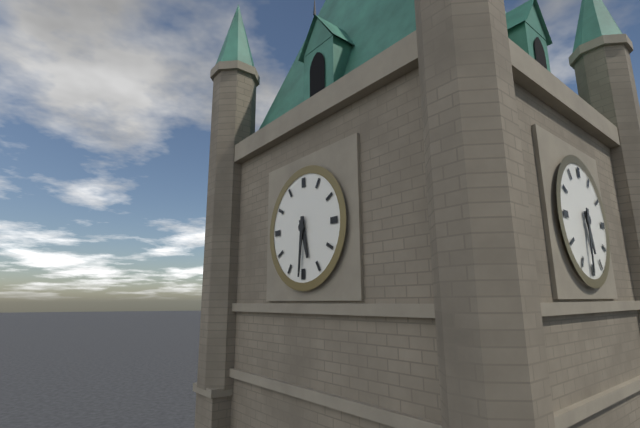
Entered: {"hour": 5, "minute": 31}
